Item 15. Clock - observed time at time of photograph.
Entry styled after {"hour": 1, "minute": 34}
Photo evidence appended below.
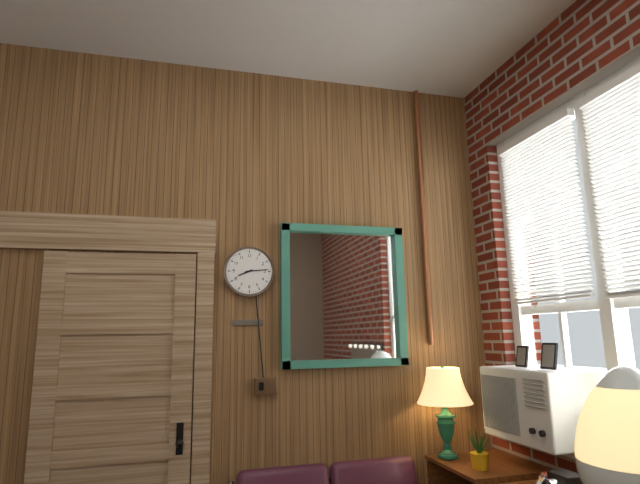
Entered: {"hour": 8, "minute": 14}
